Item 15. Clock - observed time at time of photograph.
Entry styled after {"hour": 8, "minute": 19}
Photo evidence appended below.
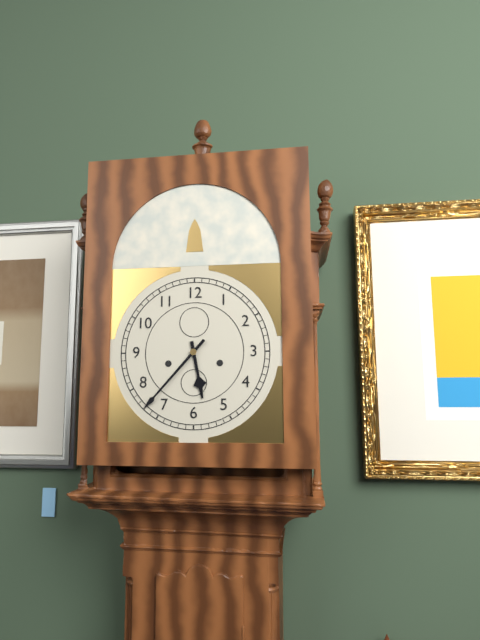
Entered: {"hour": 5, "minute": 37}
